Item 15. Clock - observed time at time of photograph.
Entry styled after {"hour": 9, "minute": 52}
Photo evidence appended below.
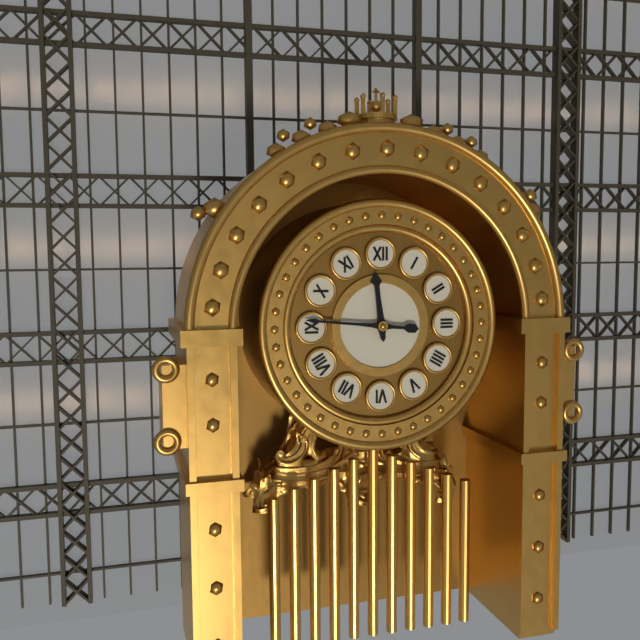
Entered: {"hour": 11, "minute": 46}
